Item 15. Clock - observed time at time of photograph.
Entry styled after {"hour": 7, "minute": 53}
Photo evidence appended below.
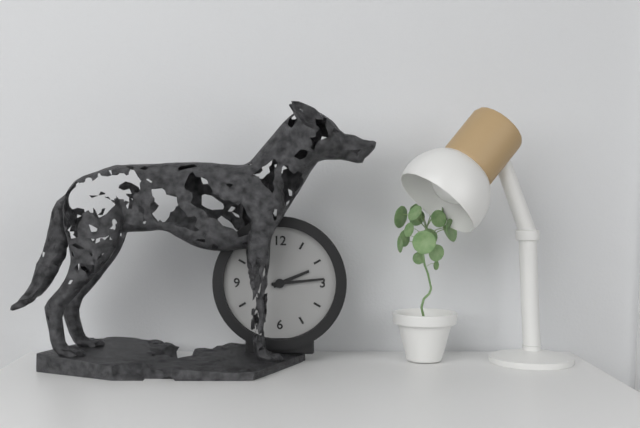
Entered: {"hour": 2, "minute": 14}
